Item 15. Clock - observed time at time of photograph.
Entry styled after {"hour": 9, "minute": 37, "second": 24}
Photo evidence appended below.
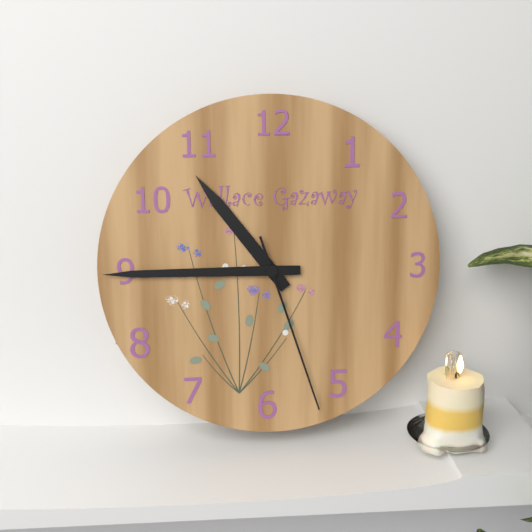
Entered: {"hour": 10, "minute": 45, "second": 27}
